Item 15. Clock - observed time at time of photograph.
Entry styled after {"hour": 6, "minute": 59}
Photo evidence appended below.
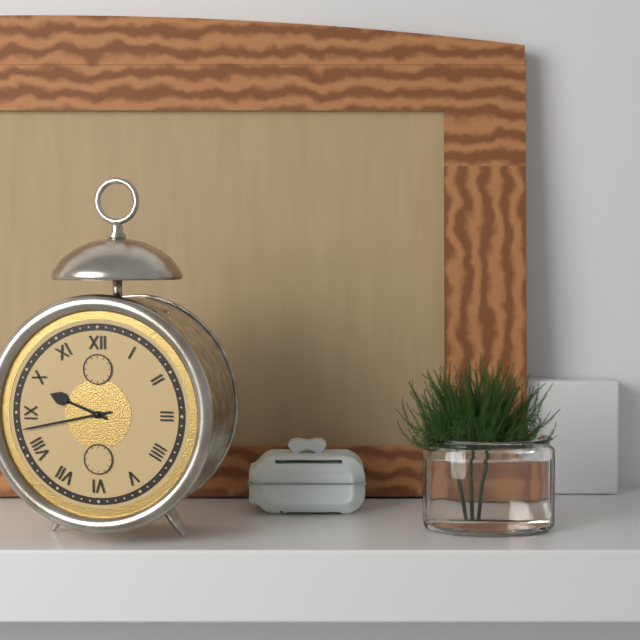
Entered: {"hour": 9, "minute": 43}
